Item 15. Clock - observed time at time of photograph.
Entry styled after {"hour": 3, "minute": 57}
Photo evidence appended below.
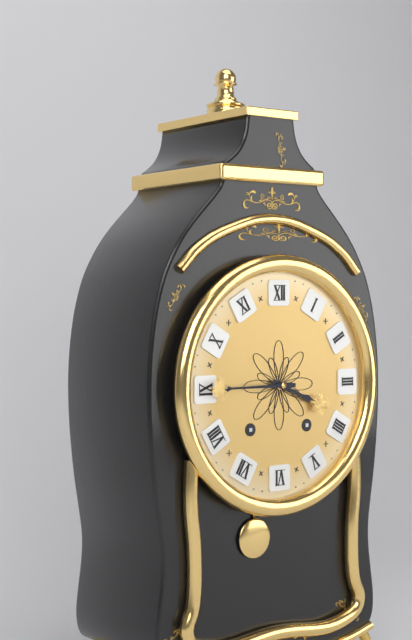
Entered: {"hour": 3, "minute": 45}
